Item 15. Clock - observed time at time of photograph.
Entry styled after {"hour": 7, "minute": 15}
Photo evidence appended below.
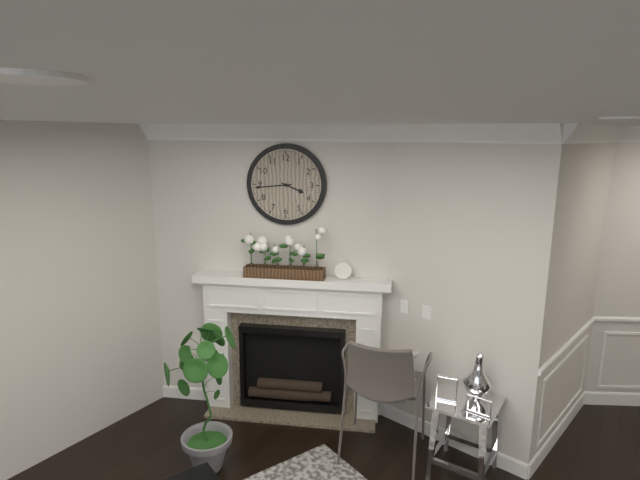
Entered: {"hour": 3, "minute": 44}
